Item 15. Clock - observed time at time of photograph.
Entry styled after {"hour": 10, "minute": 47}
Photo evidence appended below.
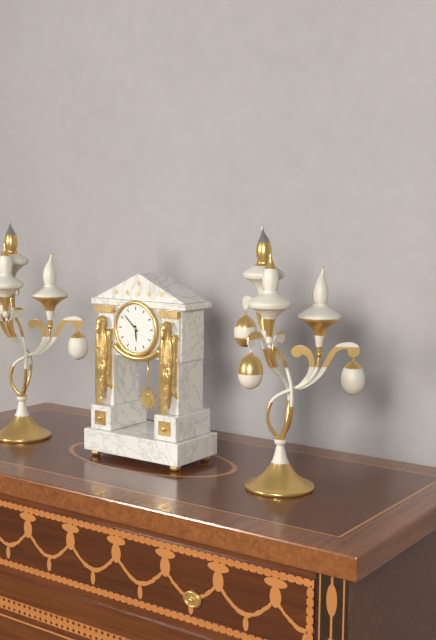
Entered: {"hour": 5, "minute": 52}
